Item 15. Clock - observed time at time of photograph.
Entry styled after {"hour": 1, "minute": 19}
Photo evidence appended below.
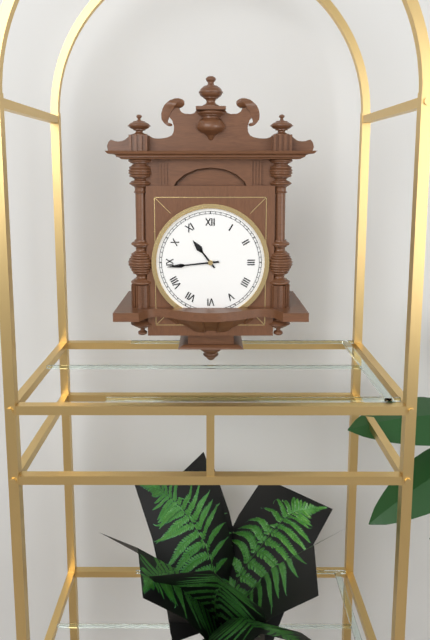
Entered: {"hour": 10, "minute": 44}
